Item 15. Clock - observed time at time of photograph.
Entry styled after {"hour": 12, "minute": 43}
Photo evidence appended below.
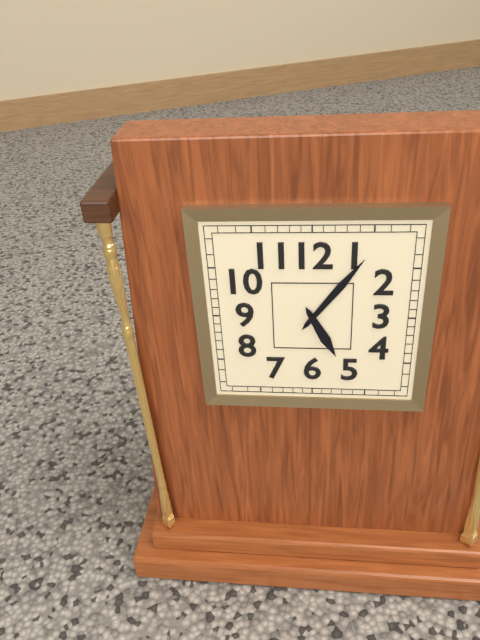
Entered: {"hour": 5, "minute": 6}
